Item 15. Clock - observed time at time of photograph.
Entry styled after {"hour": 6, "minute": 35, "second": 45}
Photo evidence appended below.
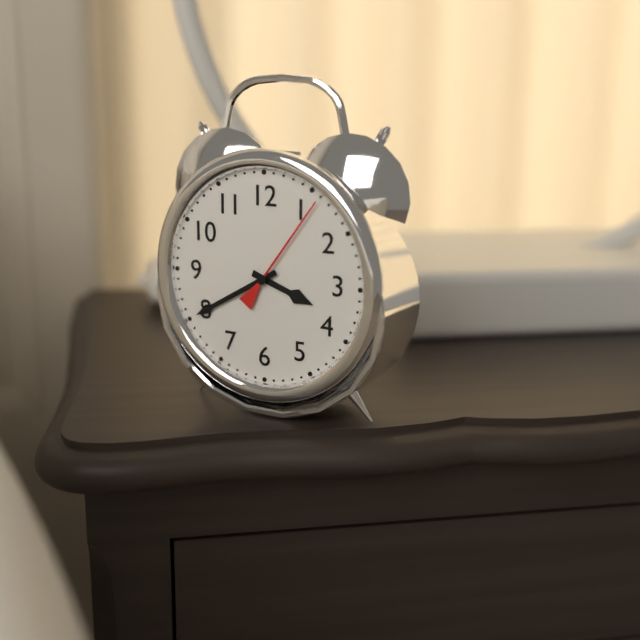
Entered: {"hour": 3, "minute": 40, "second": 6}
